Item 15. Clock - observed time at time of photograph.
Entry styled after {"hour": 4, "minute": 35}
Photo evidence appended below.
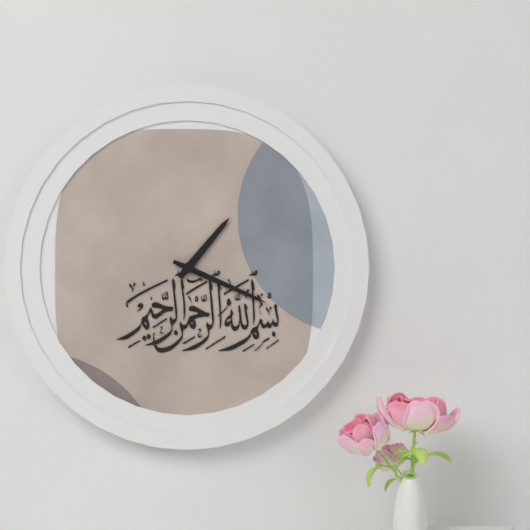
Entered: {"hour": 1, "minute": 19}
